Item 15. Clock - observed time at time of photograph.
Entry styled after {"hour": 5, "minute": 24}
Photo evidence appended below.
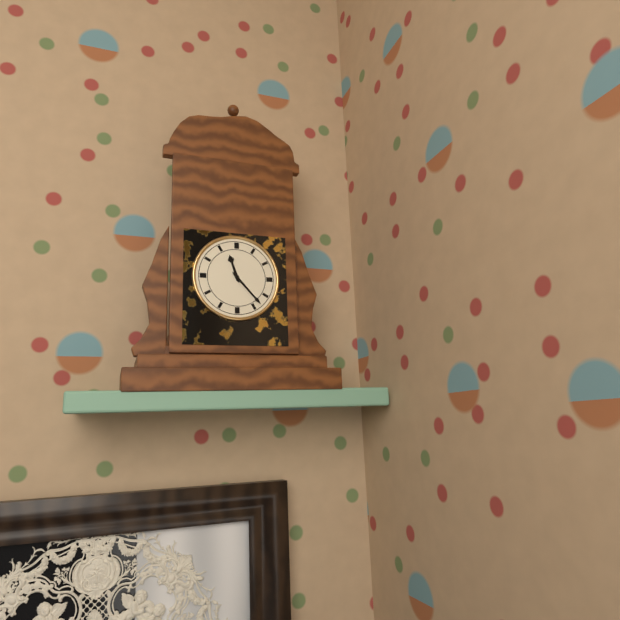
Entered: {"hour": 11, "minute": 23}
